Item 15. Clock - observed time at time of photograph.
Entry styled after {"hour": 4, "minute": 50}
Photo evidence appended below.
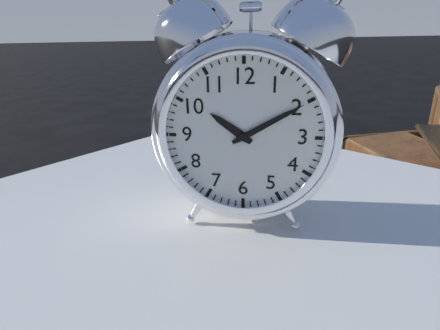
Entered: {"hour": 10, "minute": 10}
